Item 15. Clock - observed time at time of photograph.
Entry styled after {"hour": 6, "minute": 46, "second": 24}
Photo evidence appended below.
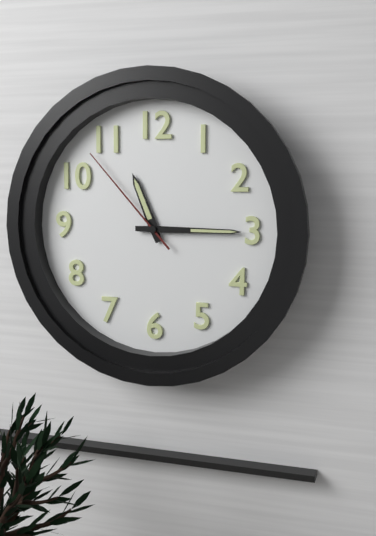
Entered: {"hour": 11, "minute": 15, "second": 53}
